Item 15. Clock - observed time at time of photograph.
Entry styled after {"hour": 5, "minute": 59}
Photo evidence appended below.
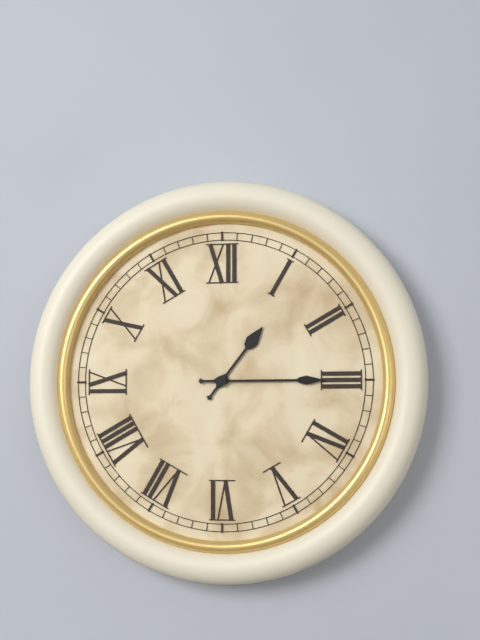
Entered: {"hour": 1, "minute": 15}
